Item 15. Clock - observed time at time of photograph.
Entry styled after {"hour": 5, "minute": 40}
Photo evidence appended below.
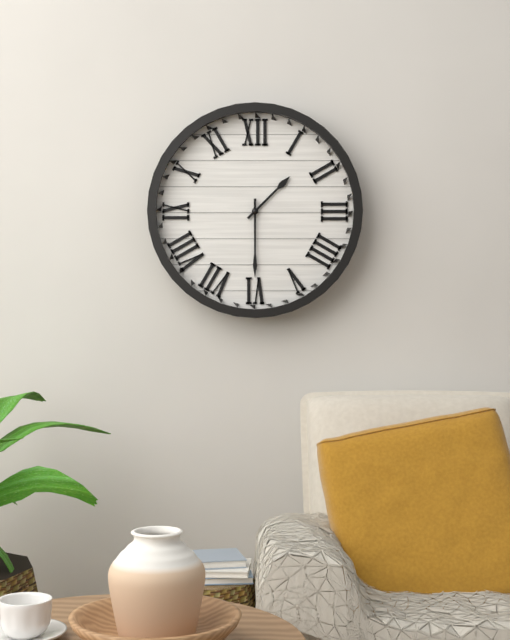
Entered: {"hour": 1, "minute": 30}
